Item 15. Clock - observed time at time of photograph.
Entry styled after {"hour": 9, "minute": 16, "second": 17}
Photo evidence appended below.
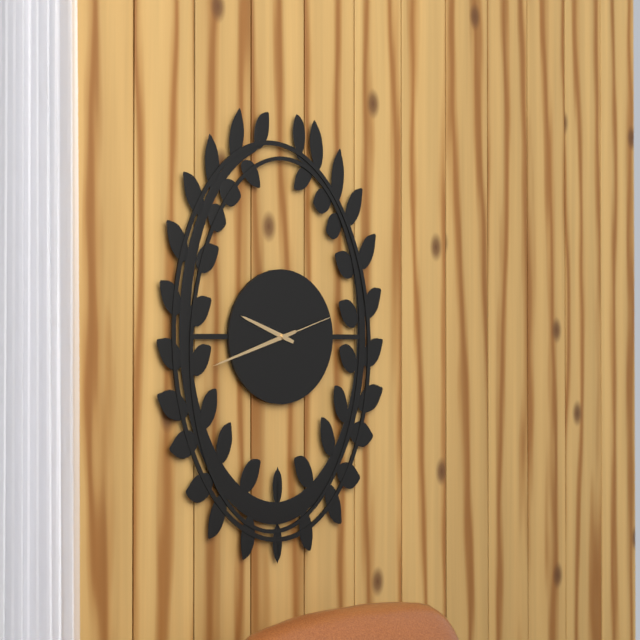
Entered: {"hour": 9, "minute": 42, "second": 12}
